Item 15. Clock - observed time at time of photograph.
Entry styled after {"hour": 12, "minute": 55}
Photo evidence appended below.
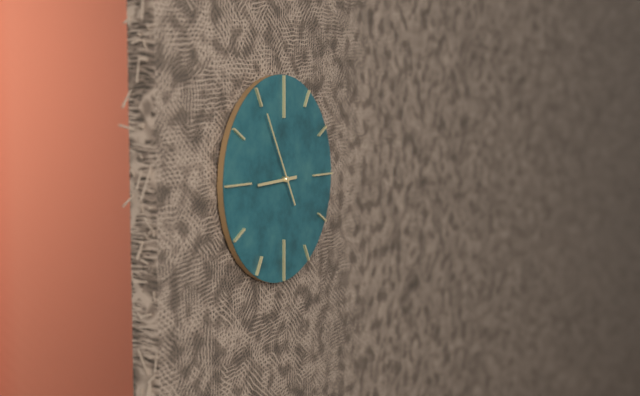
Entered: {"hour": 8, "minute": 55}
